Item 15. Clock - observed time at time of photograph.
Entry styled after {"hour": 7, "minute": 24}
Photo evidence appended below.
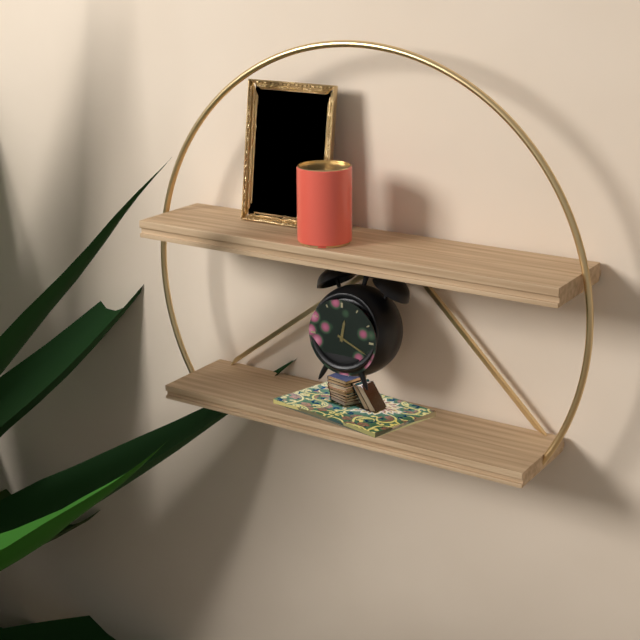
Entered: {"hour": 12, "minute": 19}
